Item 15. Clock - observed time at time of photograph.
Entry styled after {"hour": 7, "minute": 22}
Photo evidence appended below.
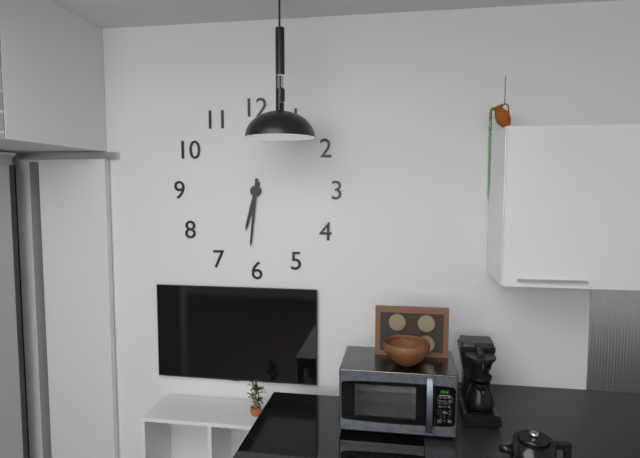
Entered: {"hour": 6, "minute": 31}
